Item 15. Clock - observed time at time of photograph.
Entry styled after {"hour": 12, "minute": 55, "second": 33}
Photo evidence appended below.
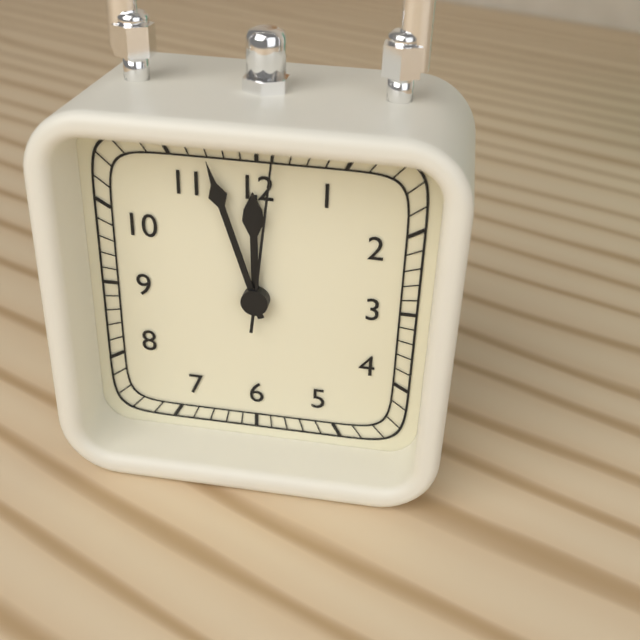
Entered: {"hour": 11, "minute": 57, "second": 1}
